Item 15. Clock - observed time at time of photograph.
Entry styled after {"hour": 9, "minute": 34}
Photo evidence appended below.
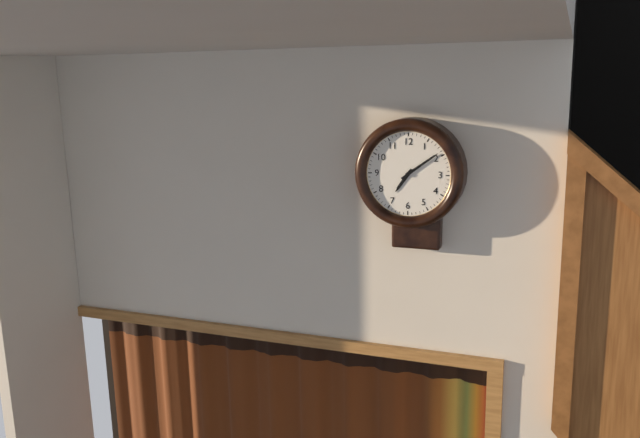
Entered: {"hour": 7, "minute": 9}
